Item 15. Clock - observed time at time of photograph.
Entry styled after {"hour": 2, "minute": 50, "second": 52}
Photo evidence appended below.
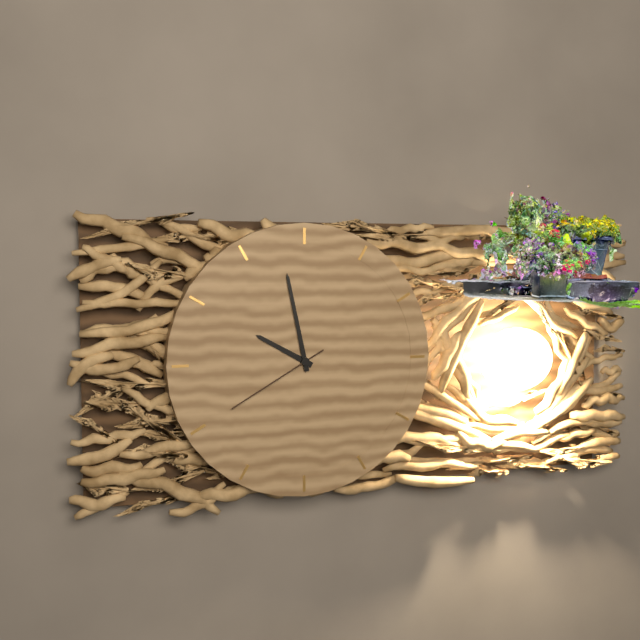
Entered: {"hour": 9, "minute": 58, "second": 40}
